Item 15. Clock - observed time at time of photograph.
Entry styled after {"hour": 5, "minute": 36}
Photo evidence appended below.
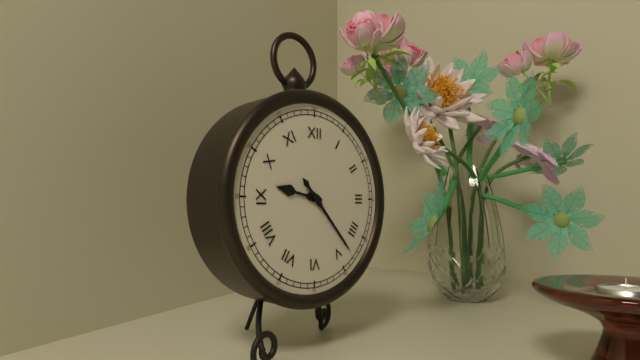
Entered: {"hour": 9, "minute": 23}
